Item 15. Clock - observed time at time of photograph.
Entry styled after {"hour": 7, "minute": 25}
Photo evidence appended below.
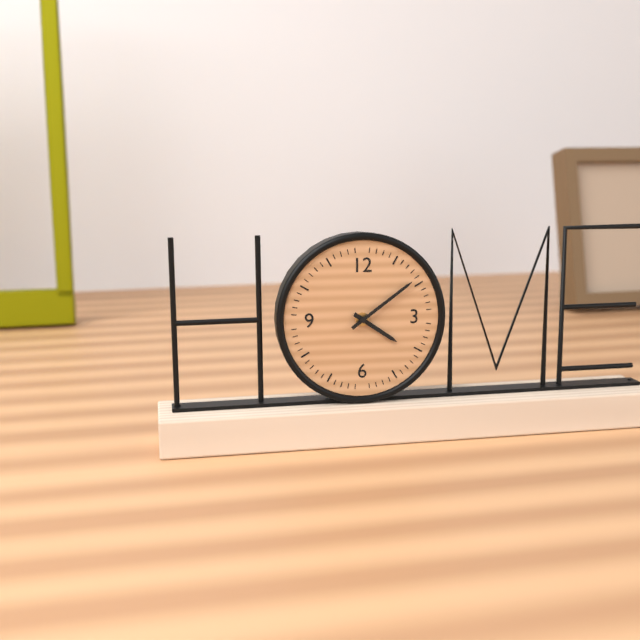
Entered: {"hour": 4, "minute": 9}
